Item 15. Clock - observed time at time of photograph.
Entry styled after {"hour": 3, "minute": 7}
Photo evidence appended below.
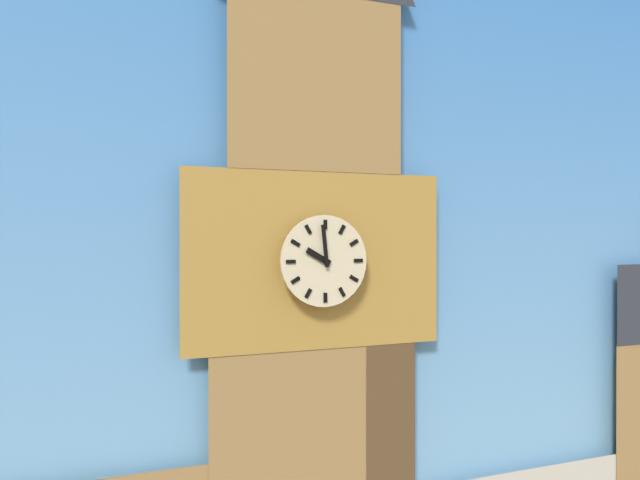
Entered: {"hour": 9, "minute": 59}
